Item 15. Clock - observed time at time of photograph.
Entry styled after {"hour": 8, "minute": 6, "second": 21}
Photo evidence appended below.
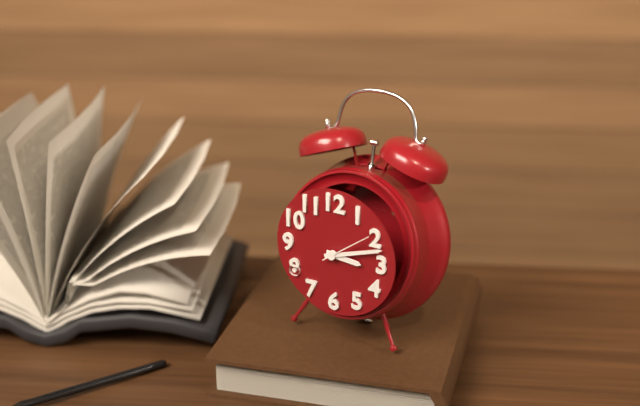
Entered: {"hour": 3, "minute": 12, "second": 9}
